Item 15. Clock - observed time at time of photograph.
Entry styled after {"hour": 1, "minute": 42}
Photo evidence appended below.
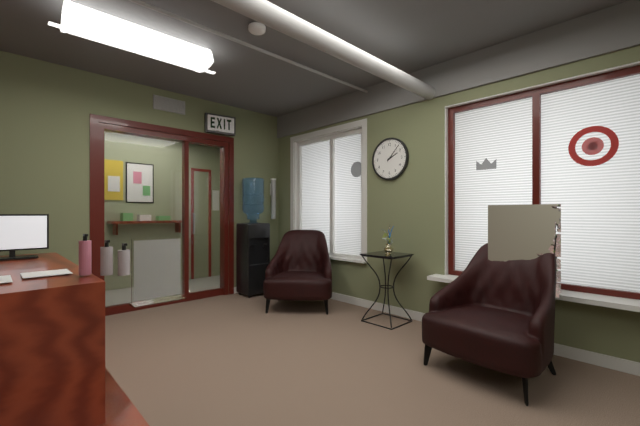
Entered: {"hour": 2, "minute": 7}
